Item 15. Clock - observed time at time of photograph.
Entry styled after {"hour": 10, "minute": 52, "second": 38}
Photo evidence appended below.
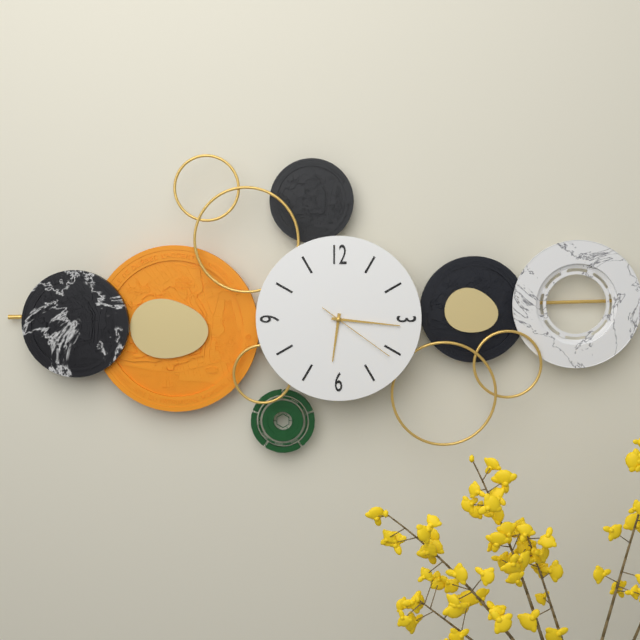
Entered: {"hour": 6, "minute": 16, "second": 21}
